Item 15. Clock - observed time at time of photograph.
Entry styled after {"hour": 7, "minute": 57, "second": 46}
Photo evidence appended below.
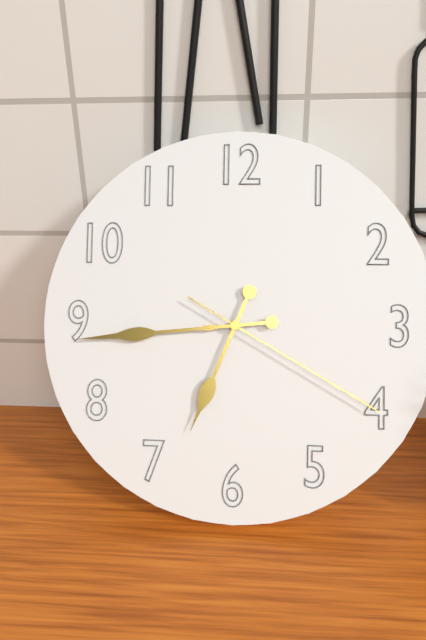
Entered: {"hour": 6, "minute": 44, "second": 20}
